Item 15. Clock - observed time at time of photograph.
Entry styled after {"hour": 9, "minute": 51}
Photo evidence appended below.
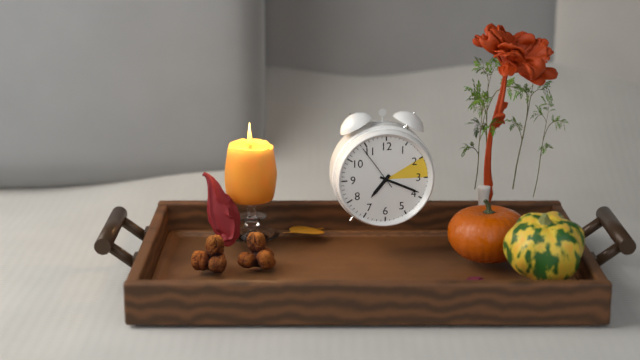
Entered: {"hour": 7, "minute": 19}
